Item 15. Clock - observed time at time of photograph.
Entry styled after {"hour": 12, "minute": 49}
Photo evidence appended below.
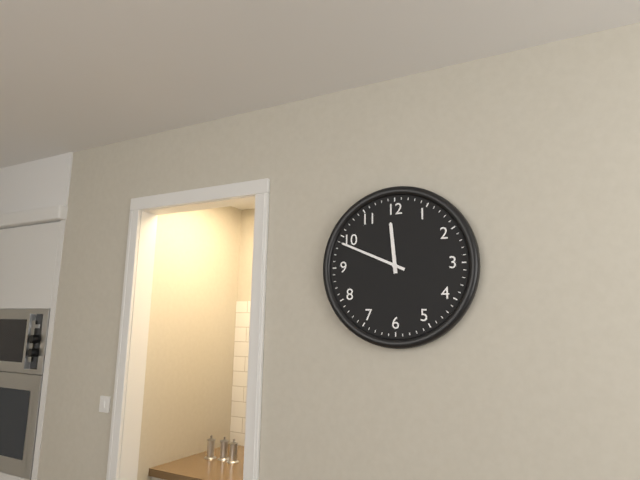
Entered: {"hour": 11, "minute": 49}
